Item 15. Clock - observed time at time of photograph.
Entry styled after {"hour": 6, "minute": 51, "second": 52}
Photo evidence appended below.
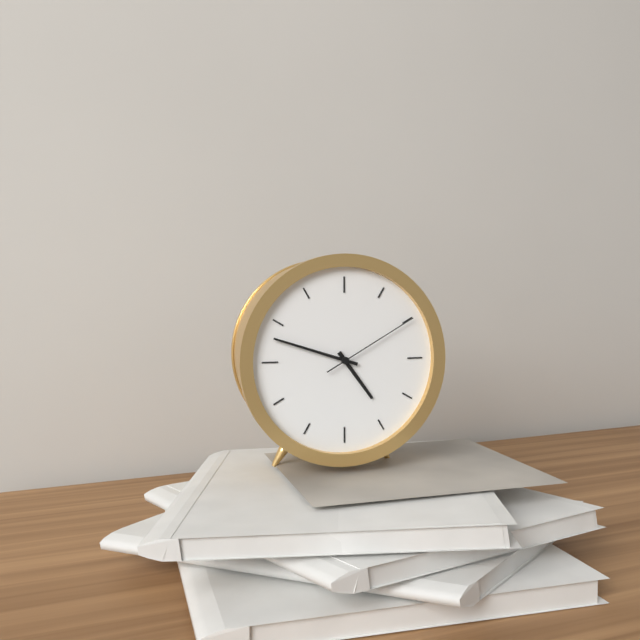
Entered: {"hour": 4, "minute": 48, "second": 10}
